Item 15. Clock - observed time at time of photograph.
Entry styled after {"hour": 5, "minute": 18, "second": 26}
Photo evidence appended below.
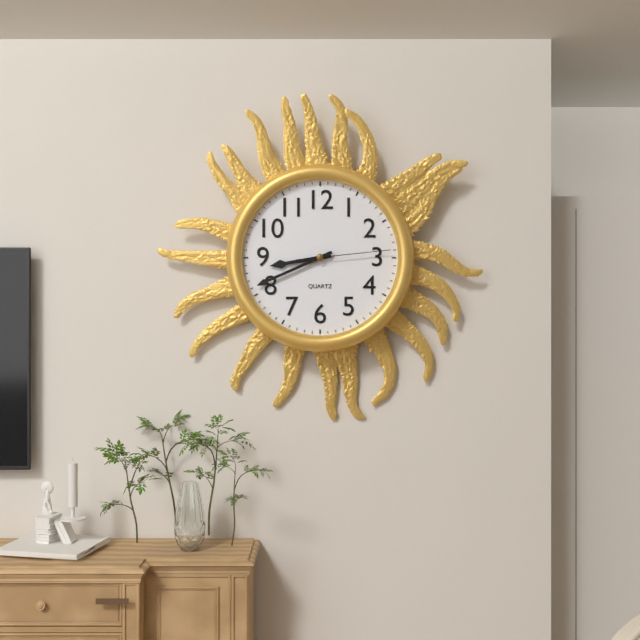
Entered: {"hour": 8, "minute": 41, "second": 14}
